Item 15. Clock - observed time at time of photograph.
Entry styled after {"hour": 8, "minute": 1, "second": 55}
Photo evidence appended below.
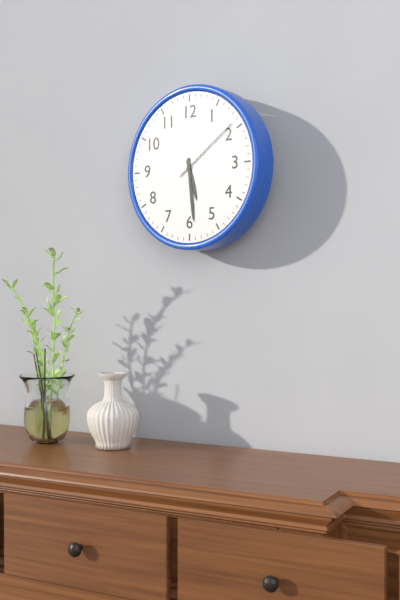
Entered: {"hour": 5, "minute": 29, "second": 9}
